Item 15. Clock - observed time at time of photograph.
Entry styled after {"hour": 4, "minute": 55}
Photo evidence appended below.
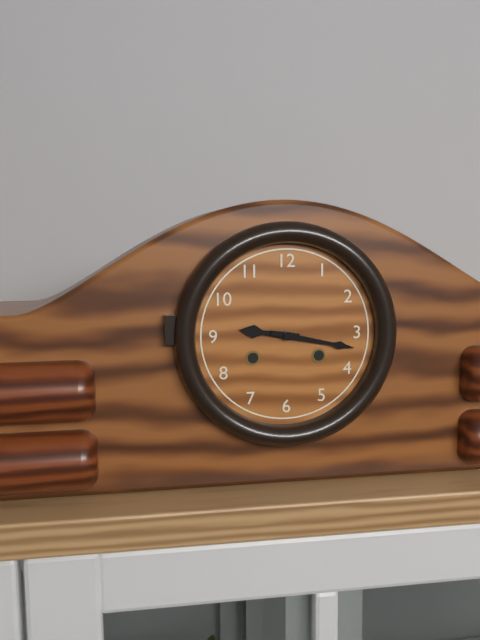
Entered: {"hour": 9, "minute": 17}
